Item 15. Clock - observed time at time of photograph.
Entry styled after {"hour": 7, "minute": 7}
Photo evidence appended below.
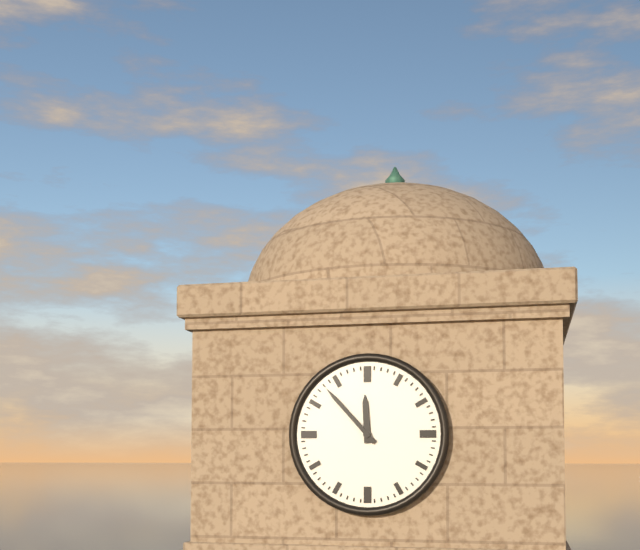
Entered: {"hour": 11, "minute": 53}
